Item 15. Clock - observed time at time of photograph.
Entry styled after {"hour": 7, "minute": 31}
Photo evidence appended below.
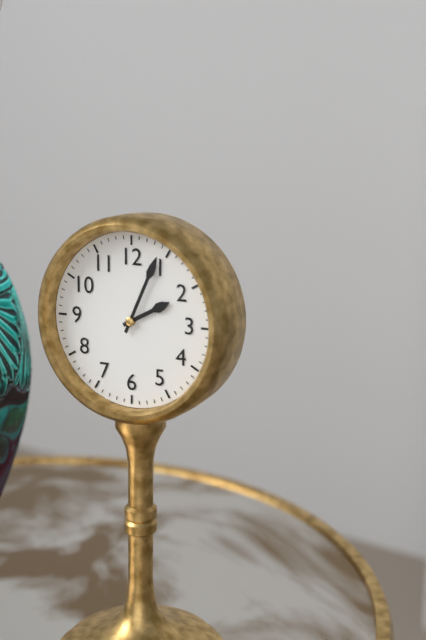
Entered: {"hour": 2, "minute": 4}
